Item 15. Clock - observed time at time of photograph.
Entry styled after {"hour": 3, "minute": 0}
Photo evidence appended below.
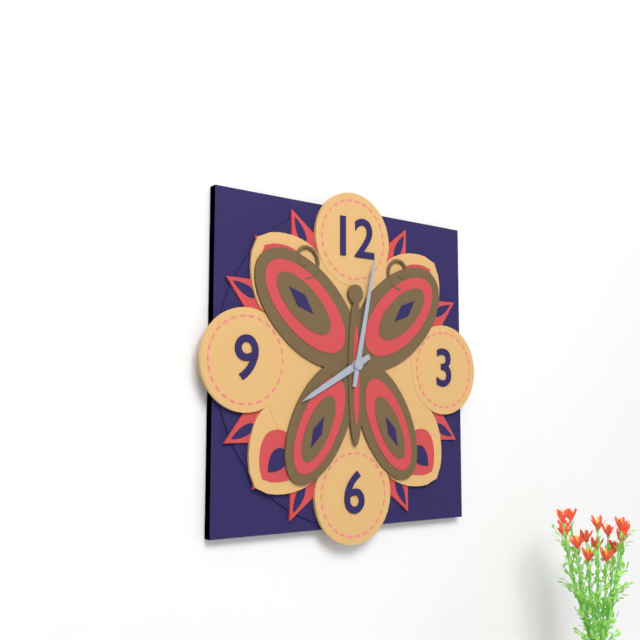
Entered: {"hour": 8, "minute": 2}
